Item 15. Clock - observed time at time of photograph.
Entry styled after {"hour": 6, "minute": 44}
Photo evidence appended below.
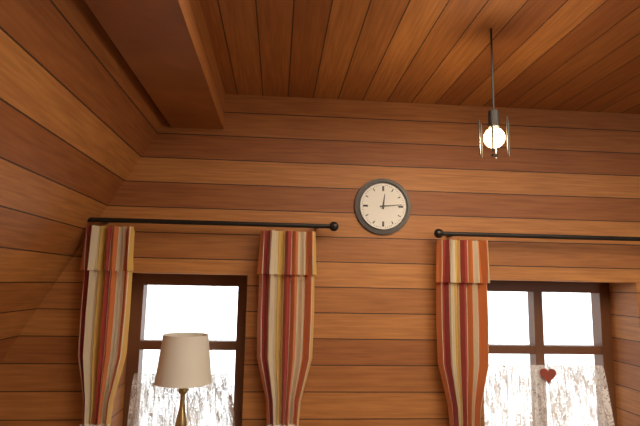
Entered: {"hour": 12, "minute": 14}
